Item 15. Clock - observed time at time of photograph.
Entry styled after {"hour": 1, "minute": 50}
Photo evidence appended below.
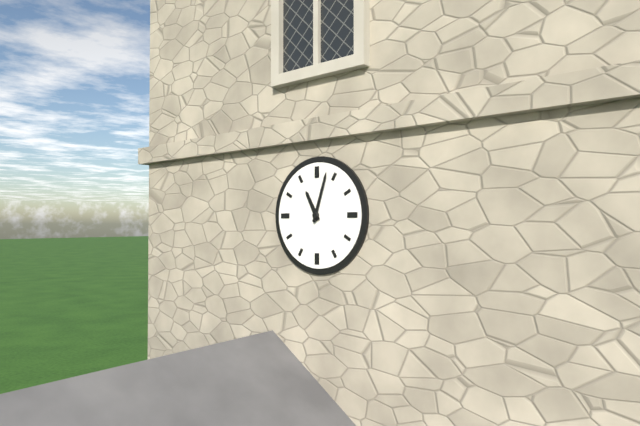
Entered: {"hour": 11, "minute": 3}
